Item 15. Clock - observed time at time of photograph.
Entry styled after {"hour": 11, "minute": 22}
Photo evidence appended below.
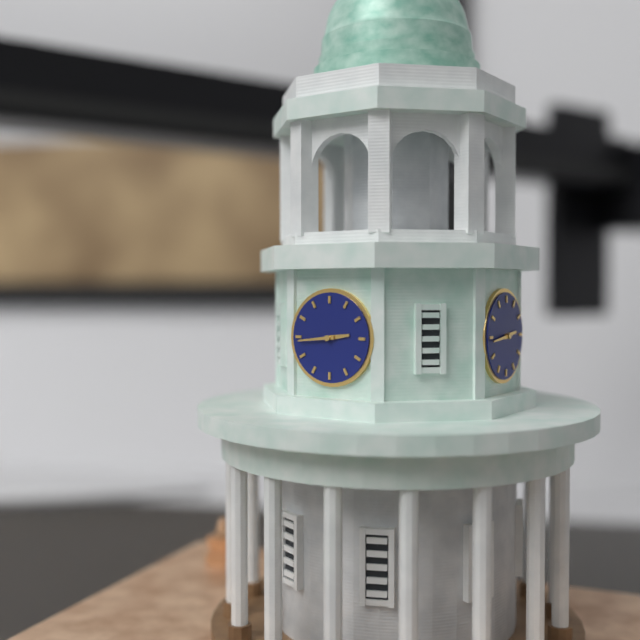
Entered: {"hour": 2, "minute": 44}
